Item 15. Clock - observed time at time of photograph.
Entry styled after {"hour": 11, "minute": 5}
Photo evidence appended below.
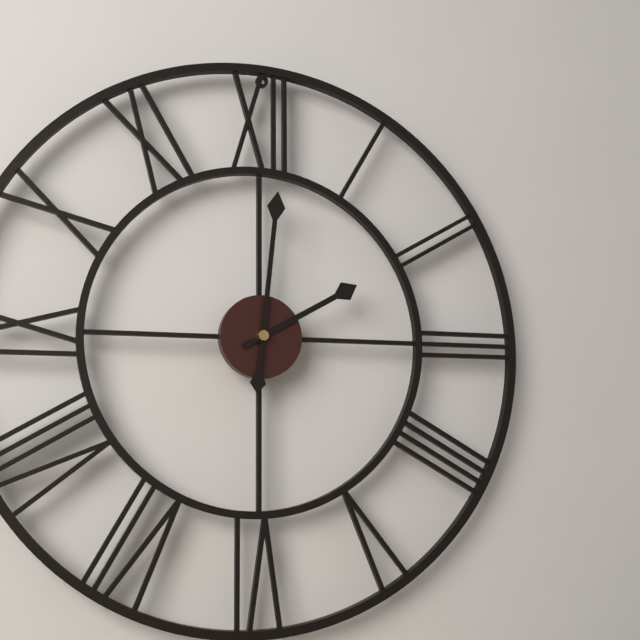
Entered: {"hour": 2, "minute": 1}
